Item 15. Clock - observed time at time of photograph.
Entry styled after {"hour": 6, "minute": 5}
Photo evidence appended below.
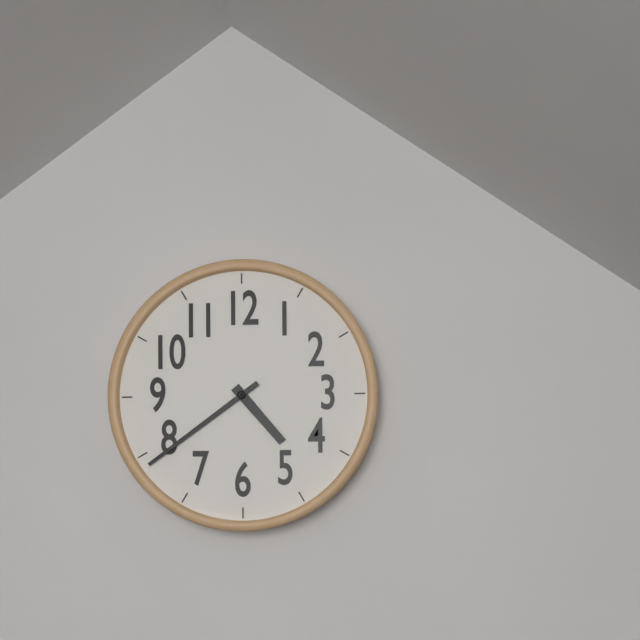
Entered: {"hour": 4, "minute": 39}
